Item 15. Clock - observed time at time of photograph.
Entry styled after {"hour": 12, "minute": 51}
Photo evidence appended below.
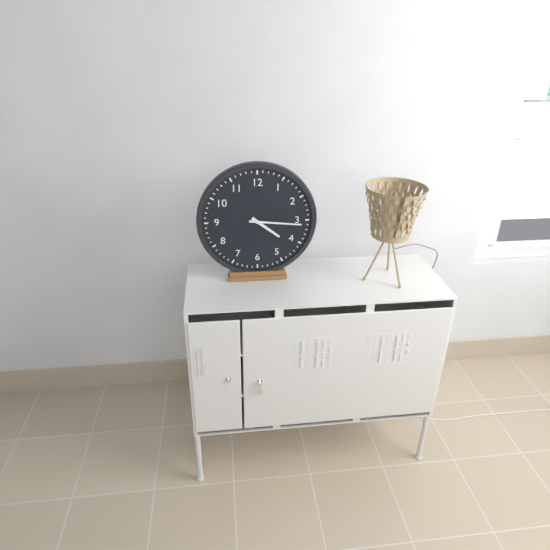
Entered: {"hour": 4, "minute": 16}
